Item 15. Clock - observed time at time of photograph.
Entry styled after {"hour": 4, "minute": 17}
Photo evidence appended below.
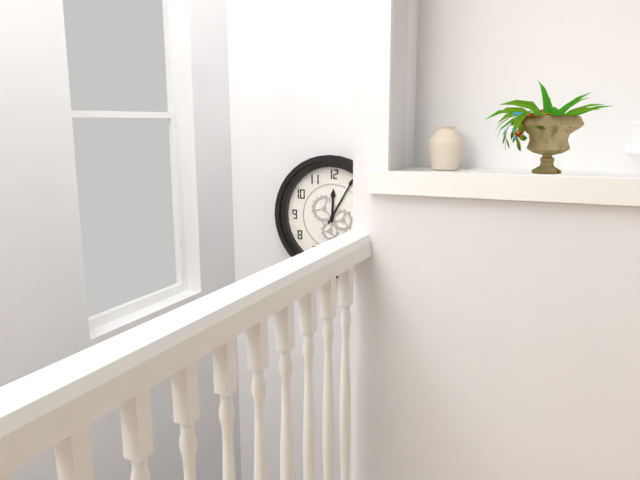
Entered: {"hour": 12, "minute": 5}
